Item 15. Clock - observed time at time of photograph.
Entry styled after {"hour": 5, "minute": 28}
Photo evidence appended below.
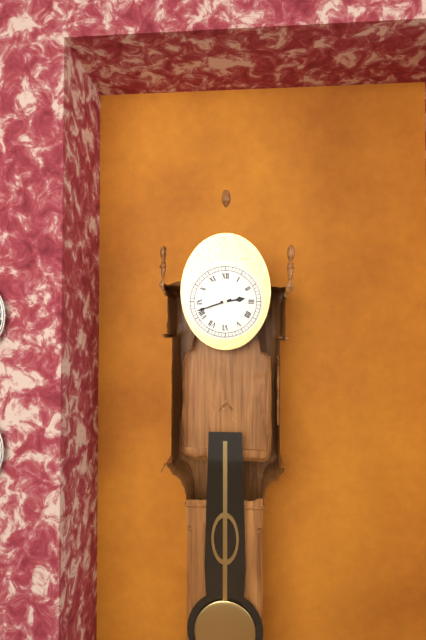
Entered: {"hour": 2, "minute": 42}
